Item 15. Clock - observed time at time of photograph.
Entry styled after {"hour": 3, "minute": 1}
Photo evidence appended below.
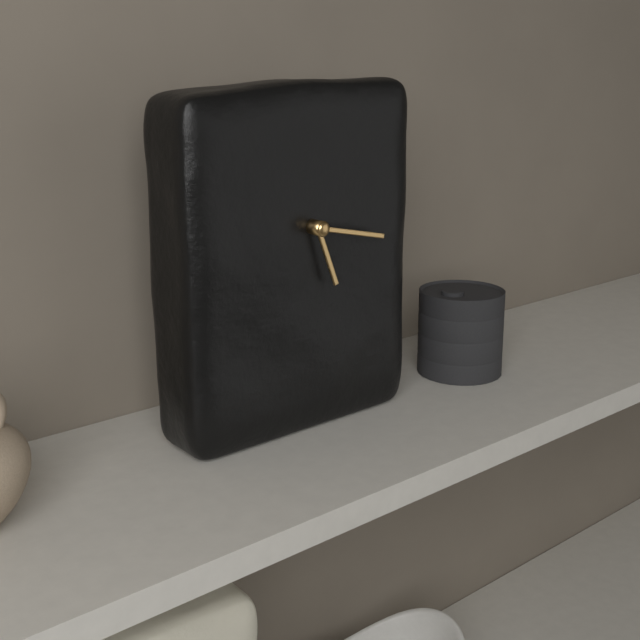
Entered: {"hour": 5, "minute": 17}
